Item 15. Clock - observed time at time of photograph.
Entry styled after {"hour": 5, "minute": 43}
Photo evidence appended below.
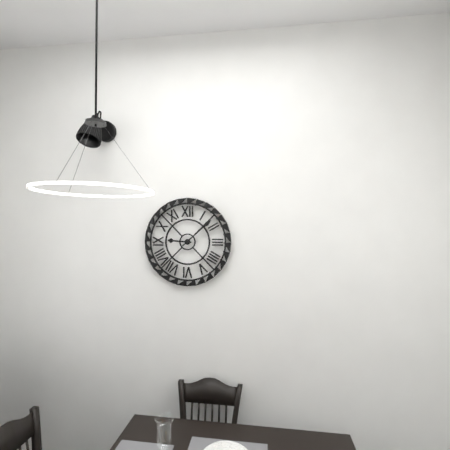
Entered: {"hour": 9, "minute": 8}
